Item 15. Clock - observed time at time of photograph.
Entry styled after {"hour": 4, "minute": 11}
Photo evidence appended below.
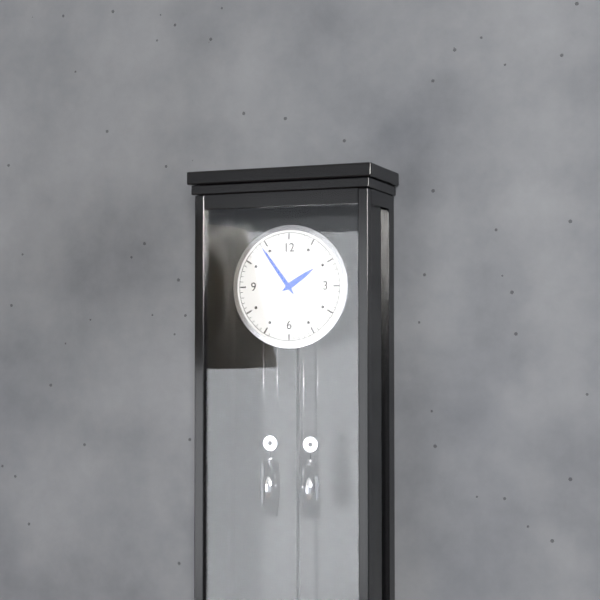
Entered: {"hour": 1, "minute": 54}
